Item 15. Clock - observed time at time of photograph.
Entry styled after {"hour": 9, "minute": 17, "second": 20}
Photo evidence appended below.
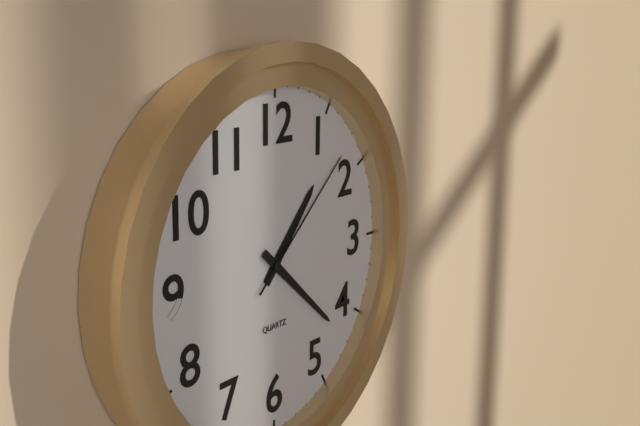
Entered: {"hour": 1, "minute": 22, "second": 8}
